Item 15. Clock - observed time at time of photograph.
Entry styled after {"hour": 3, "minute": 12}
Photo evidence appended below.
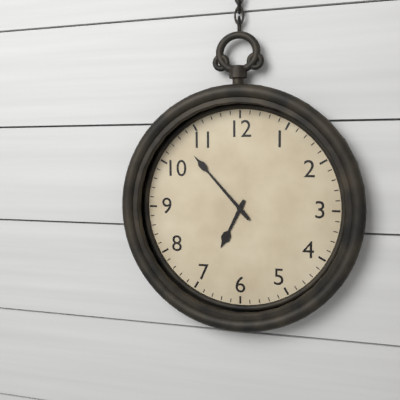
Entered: {"hour": 6, "minute": 53}
